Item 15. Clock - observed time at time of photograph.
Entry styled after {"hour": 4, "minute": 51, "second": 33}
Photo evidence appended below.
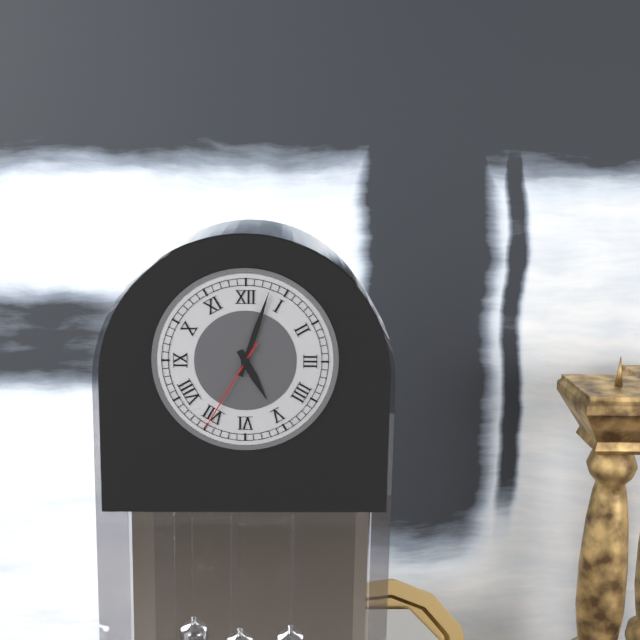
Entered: {"hour": 5, "minute": 3, "second": 35}
